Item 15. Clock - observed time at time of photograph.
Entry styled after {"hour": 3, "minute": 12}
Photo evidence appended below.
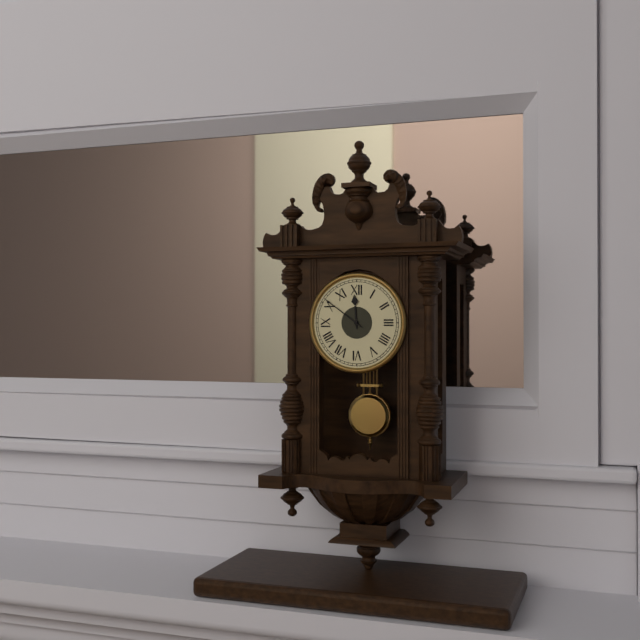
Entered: {"hour": 11, "minute": 51}
